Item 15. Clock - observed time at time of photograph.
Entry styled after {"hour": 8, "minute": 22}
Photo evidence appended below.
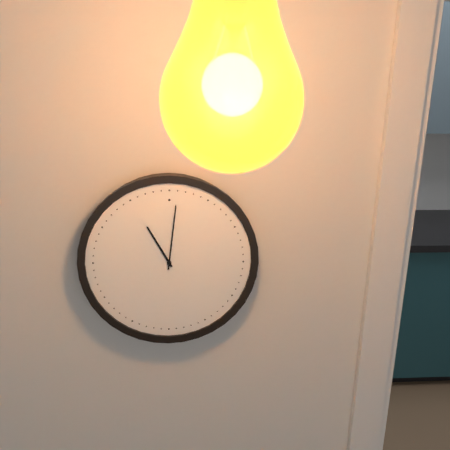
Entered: {"hour": 11, "minute": 1}
